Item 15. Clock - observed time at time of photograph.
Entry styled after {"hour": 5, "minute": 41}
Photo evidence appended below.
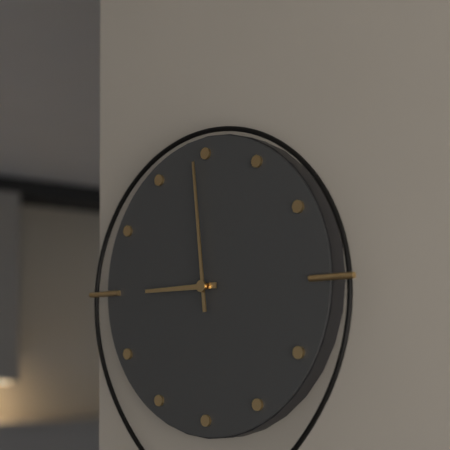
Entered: {"hour": 8, "minute": 59}
